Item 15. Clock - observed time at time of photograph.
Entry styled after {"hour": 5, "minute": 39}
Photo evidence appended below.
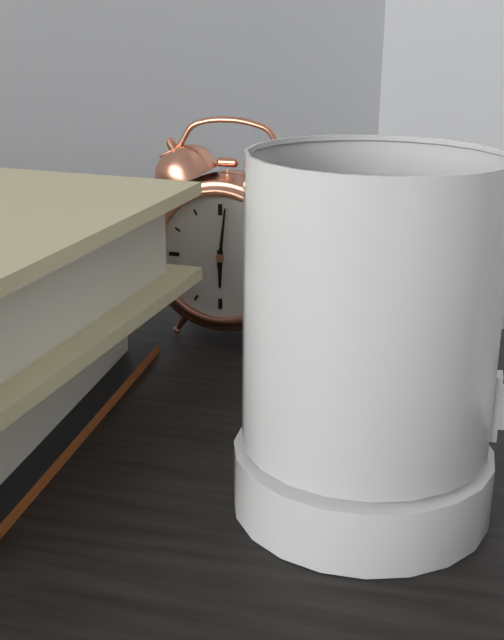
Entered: {"hour": 6, "minute": 1}
